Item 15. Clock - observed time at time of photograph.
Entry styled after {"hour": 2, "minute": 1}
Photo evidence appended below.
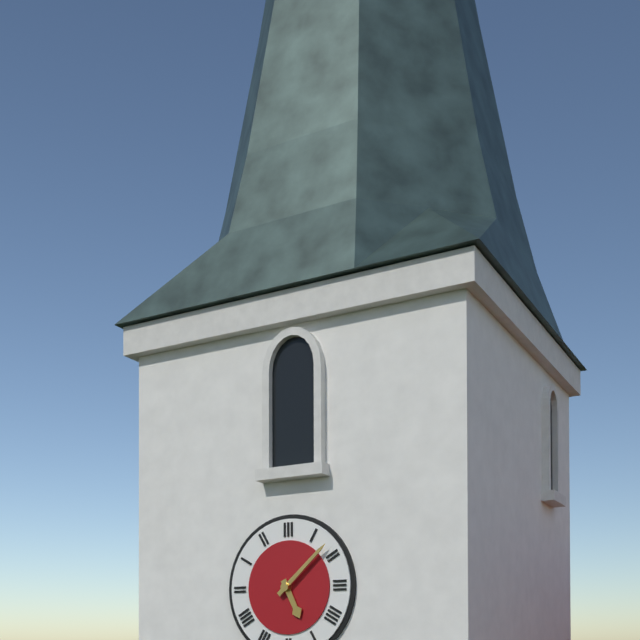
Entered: {"hour": 5, "minute": 8}
